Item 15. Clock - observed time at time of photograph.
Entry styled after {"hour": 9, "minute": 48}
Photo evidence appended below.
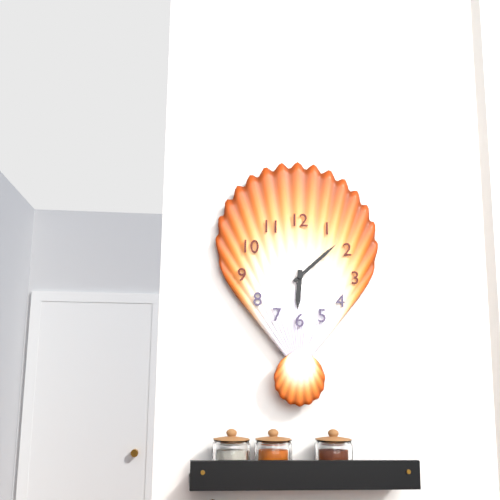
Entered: {"hour": 6, "minute": 8}
